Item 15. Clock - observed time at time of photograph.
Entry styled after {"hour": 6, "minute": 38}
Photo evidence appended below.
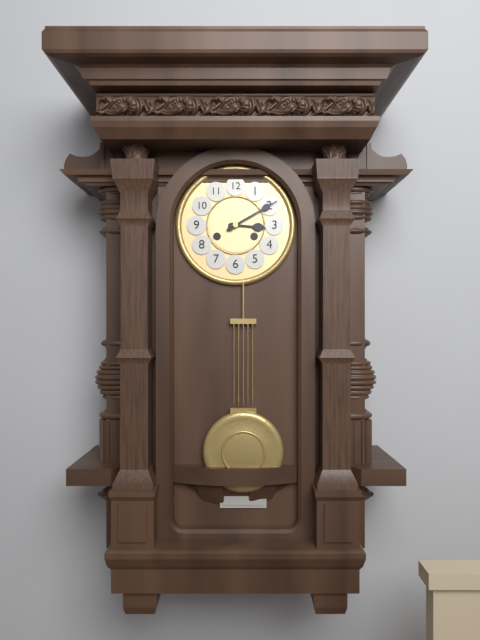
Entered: {"hour": 3, "minute": 10}
